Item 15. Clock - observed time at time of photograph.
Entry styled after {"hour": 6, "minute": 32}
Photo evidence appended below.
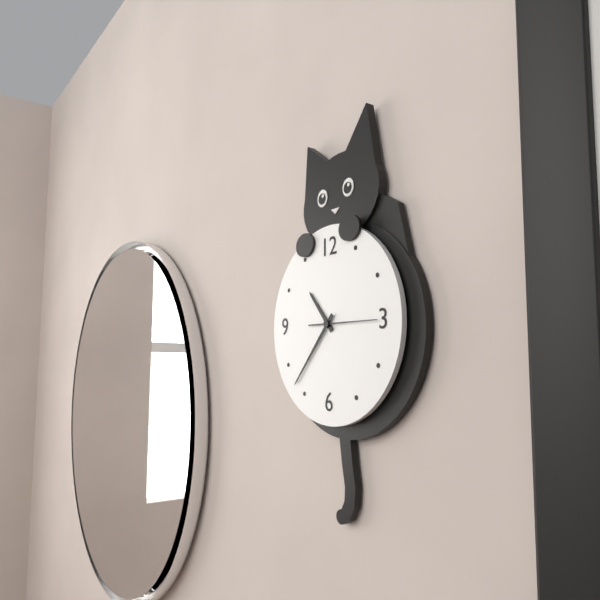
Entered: {"hour": 10, "minute": 37}
